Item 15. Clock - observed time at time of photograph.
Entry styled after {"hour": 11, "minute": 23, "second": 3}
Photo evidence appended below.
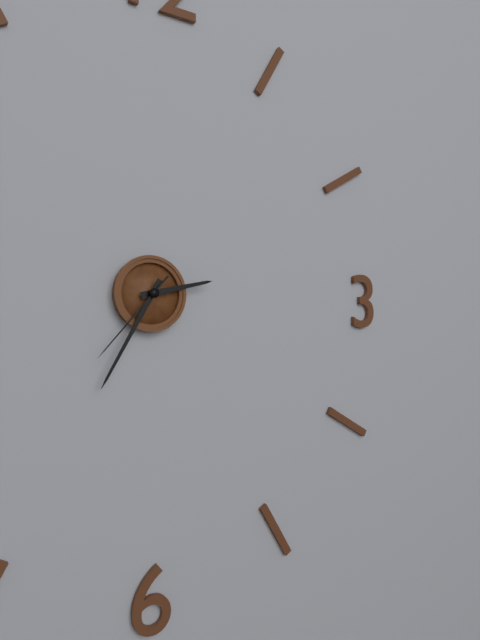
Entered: {"hour": 2, "minute": 35, "second": 37}
